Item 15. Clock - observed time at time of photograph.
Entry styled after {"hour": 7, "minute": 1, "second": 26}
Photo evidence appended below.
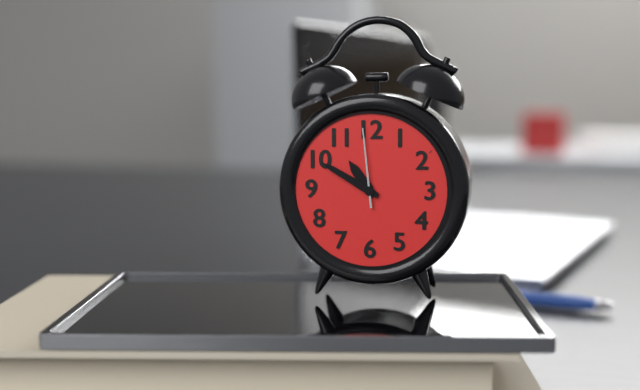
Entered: {"hour": 10, "minute": 50, "second": 59}
